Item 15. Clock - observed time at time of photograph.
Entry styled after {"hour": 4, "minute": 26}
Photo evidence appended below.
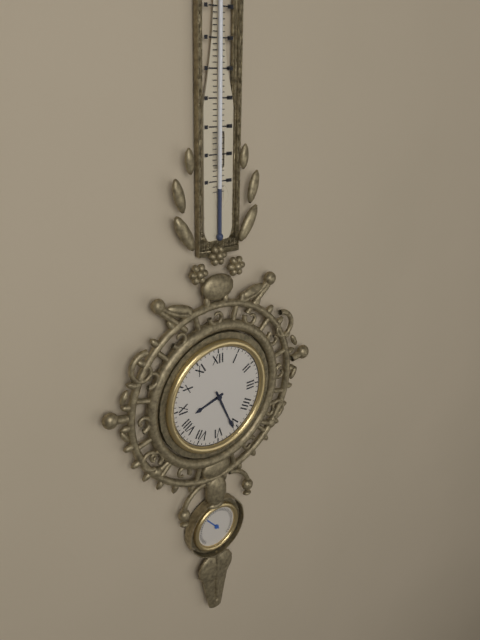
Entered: {"hour": 8, "minute": 26}
